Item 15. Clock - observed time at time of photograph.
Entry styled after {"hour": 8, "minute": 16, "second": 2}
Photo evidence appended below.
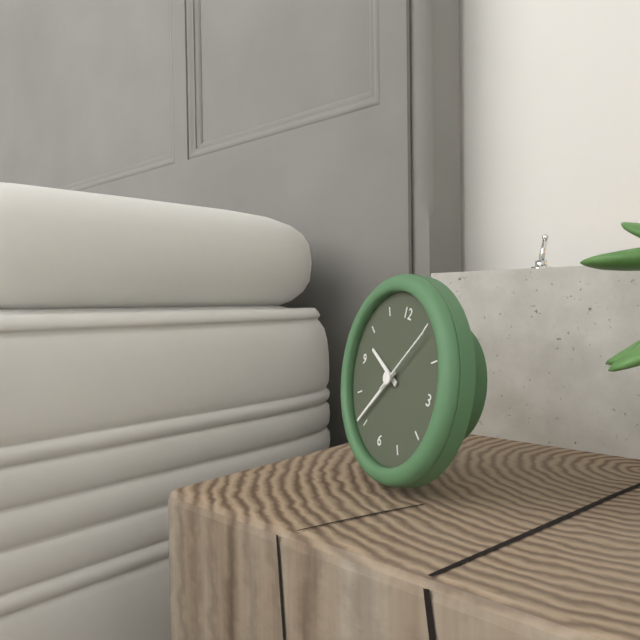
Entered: {"hour": 9, "minute": 36, "second": 6}
